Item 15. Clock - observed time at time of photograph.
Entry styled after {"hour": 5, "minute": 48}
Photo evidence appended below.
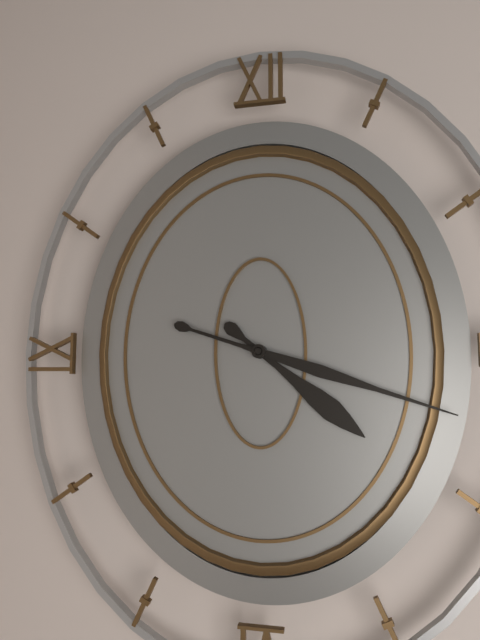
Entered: {"hour": 4, "minute": 18}
